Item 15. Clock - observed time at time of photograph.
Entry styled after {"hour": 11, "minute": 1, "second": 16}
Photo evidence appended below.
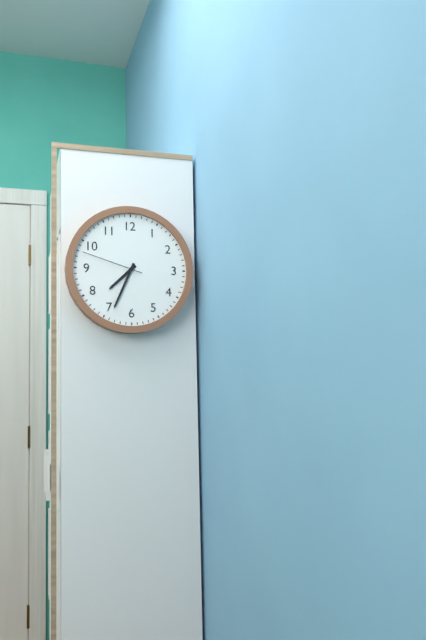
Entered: {"hour": 7, "minute": 34, "second": 48}
